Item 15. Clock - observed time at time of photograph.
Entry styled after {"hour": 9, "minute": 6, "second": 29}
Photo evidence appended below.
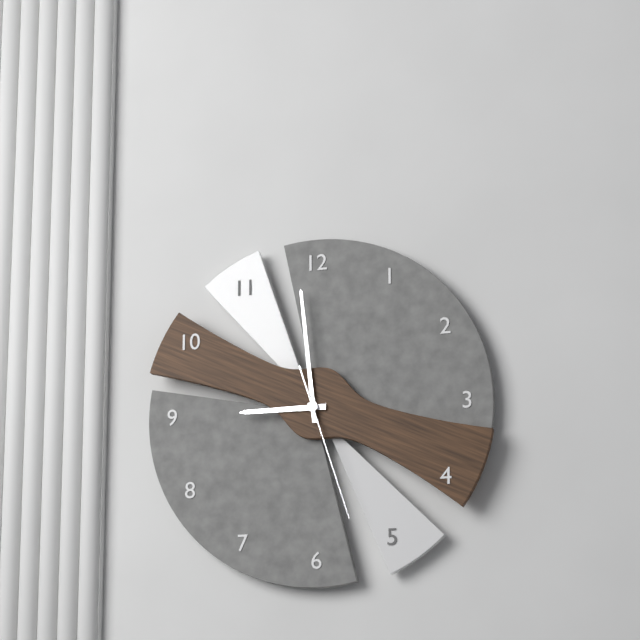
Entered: {"hour": 8, "minute": 59, "second": 27}
